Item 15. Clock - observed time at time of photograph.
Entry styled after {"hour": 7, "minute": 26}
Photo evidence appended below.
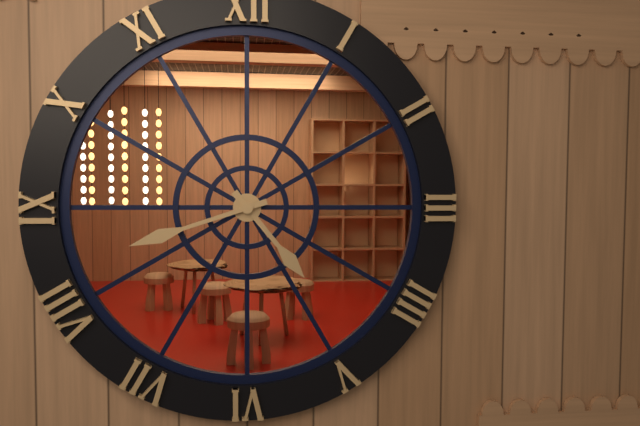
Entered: {"hour": 4, "minute": 42}
